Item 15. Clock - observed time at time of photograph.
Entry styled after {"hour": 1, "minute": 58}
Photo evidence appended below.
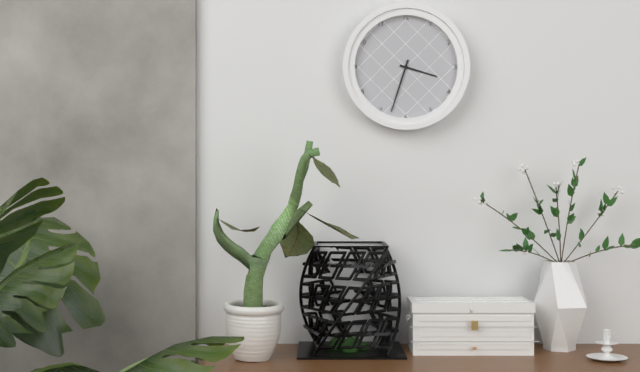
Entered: {"hour": 3, "minute": 33}
